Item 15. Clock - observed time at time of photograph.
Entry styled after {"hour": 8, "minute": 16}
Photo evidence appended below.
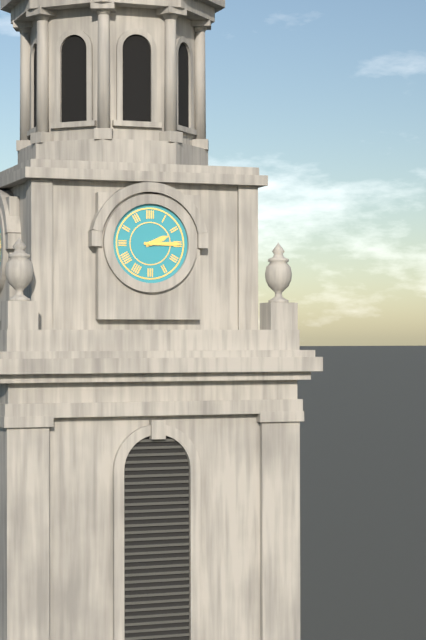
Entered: {"hour": 2, "minute": 15}
